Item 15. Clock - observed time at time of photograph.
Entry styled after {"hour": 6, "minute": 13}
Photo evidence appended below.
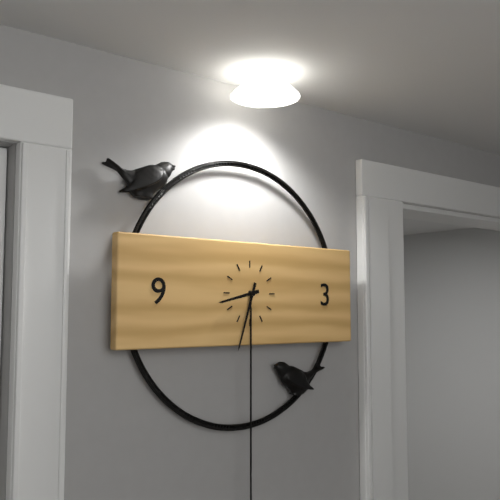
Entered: {"hour": 8, "minute": 33}
